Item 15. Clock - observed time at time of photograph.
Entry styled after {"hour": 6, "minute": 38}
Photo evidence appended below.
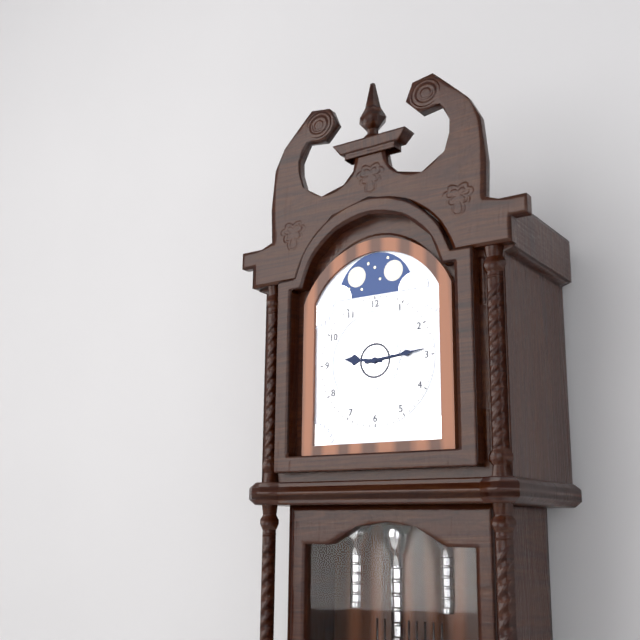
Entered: {"hour": 9, "minute": 14}
